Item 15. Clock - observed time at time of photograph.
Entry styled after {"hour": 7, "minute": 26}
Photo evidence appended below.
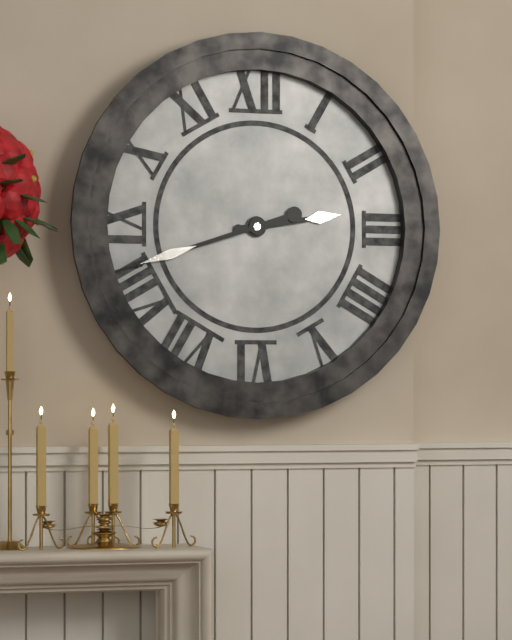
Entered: {"hour": 2, "minute": 42}
